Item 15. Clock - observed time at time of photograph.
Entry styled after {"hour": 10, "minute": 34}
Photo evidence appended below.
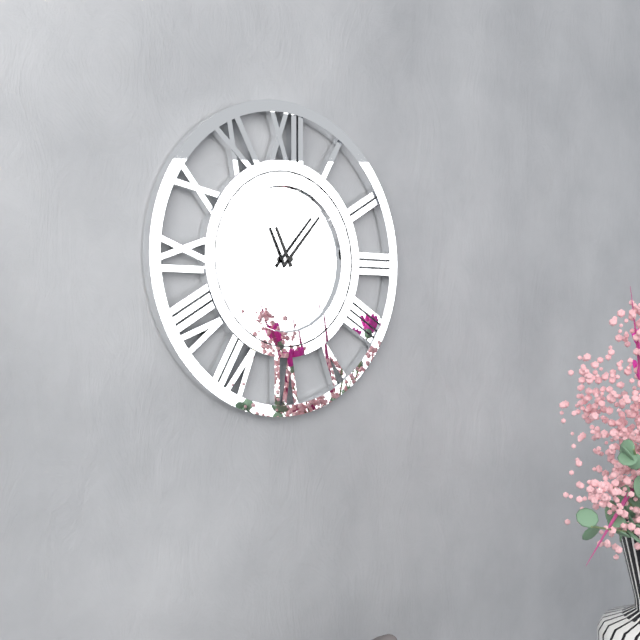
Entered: {"hour": 11, "minute": 7}
